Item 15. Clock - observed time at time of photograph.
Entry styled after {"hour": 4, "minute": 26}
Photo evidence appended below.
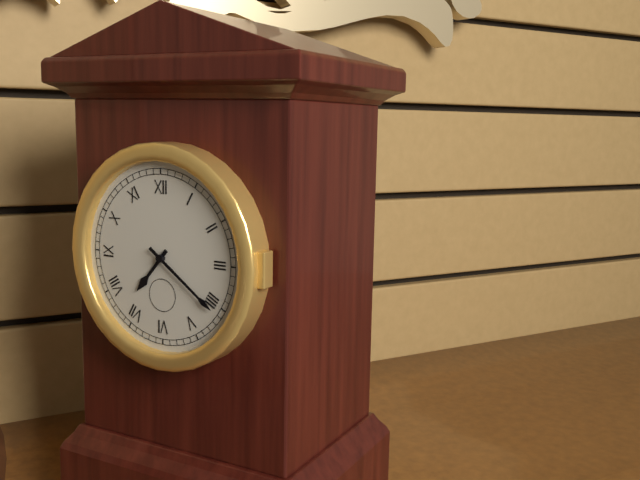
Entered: {"hour": 7, "minute": 21}
